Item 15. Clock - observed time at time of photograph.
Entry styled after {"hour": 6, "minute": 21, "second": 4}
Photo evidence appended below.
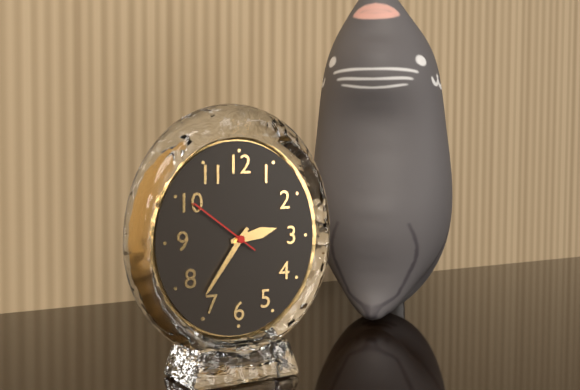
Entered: {"hour": 2, "minute": 36, "second": 51}
